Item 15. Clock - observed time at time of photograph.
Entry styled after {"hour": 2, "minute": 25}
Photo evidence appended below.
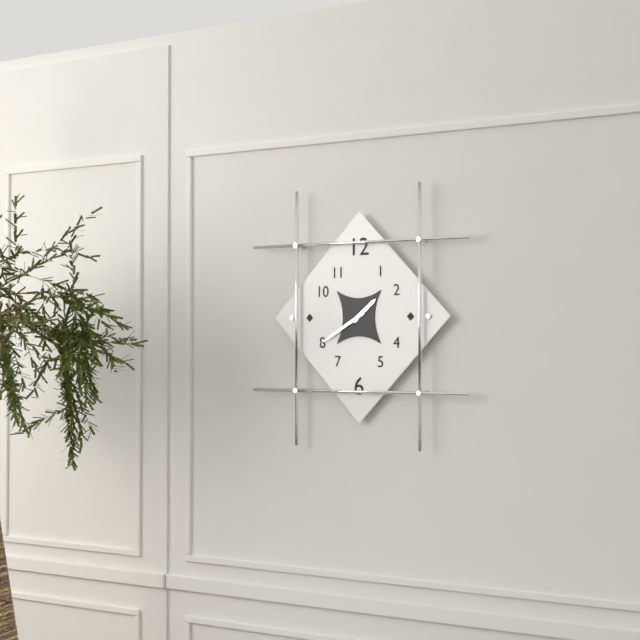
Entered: {"hour": 1, "minute": 40}
